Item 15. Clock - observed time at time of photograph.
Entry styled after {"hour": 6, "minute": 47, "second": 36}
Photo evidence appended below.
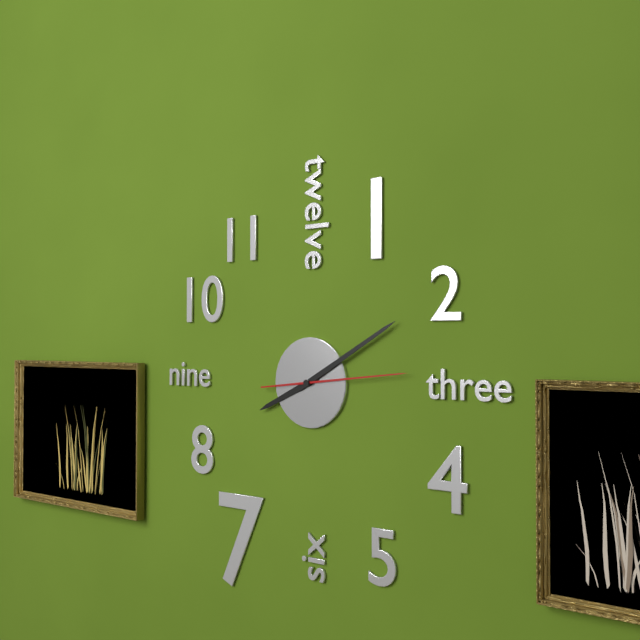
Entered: {"hour": 8, "minute": 10, "second": 14}
